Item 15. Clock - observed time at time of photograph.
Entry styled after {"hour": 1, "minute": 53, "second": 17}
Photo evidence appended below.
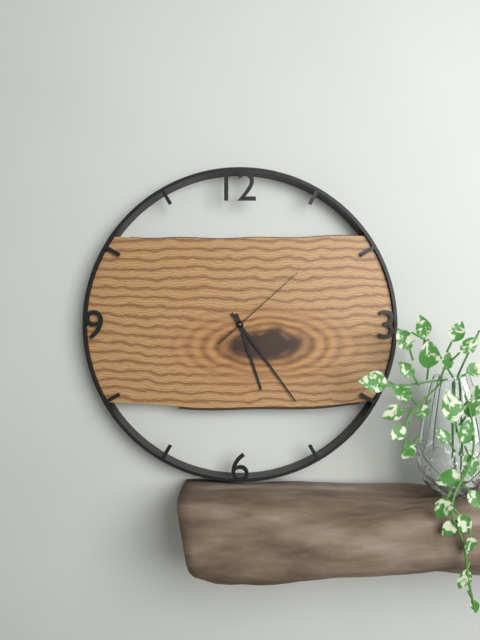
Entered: {"hour": 5, "minute": 24, "second": 8}
